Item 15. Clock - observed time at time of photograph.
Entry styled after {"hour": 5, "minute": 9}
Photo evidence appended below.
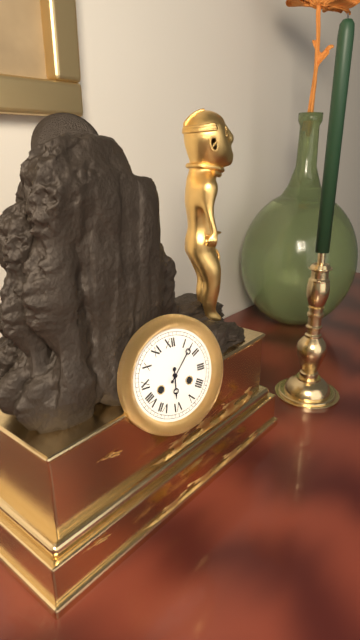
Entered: {"hour": 6, "minute": 7}
